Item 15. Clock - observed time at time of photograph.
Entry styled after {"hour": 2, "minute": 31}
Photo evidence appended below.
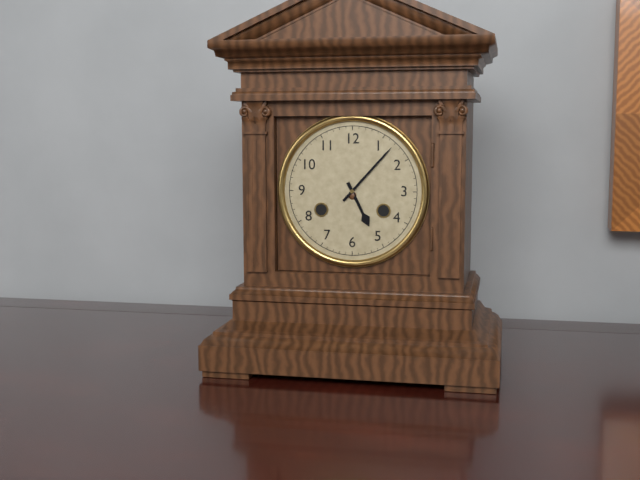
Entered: {"hour": 5, "minute": 7}
